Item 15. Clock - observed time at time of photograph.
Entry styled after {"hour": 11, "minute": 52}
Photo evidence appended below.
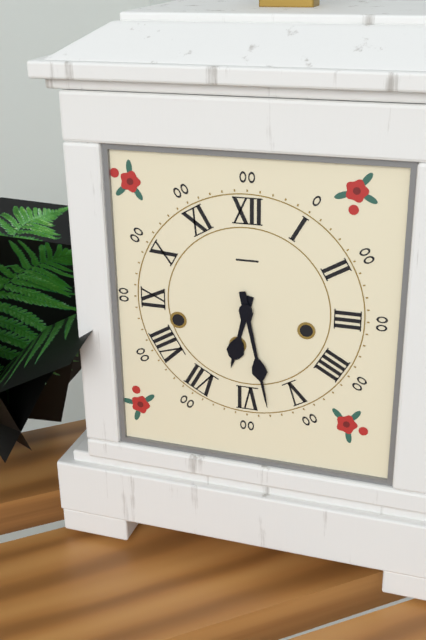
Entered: {"hour": 6, "minute": 28}
